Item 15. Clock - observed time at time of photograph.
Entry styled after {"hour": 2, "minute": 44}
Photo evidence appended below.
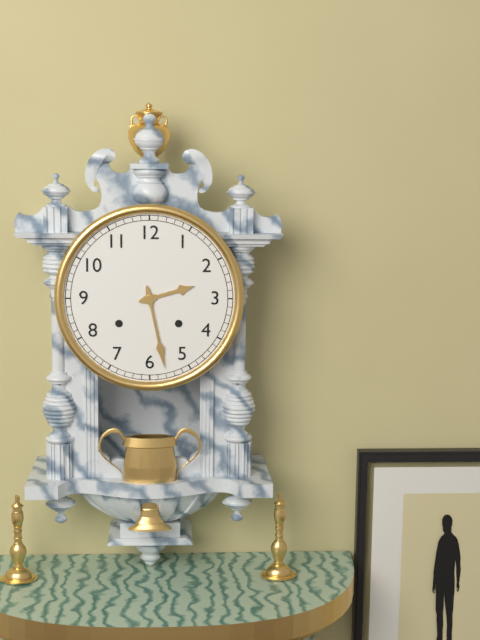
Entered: {"hour": 2, "minute": 28}
